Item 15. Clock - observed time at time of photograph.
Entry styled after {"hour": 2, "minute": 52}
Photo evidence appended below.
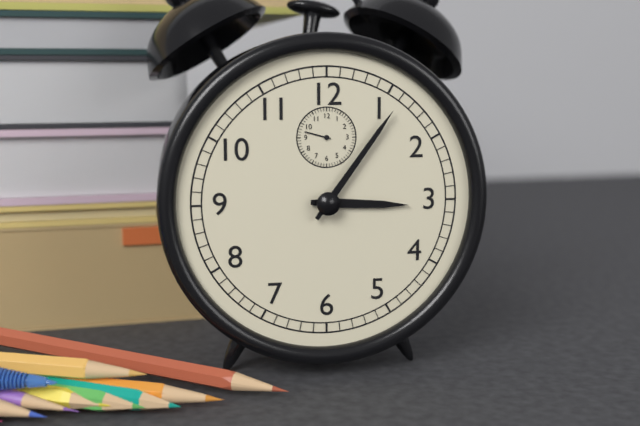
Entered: {"hour": 3, "minute": 6}
